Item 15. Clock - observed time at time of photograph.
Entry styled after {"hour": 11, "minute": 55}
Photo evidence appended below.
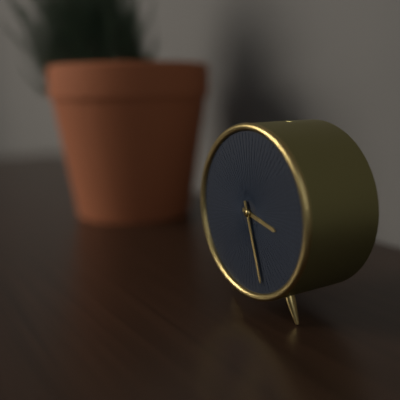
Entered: {"hour": 3, "minute": 27}
